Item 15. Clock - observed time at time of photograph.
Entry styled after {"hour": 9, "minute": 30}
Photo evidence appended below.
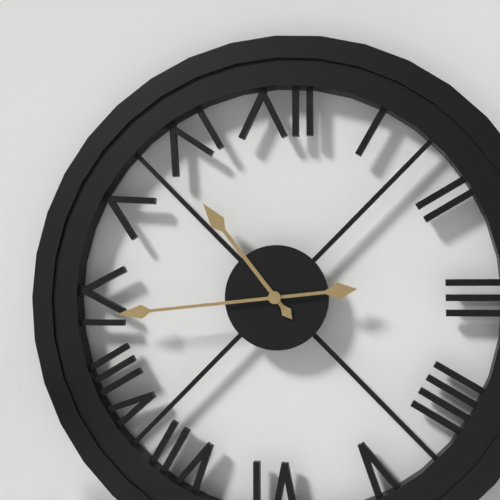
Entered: {"hour": 10, "minute": 44}
